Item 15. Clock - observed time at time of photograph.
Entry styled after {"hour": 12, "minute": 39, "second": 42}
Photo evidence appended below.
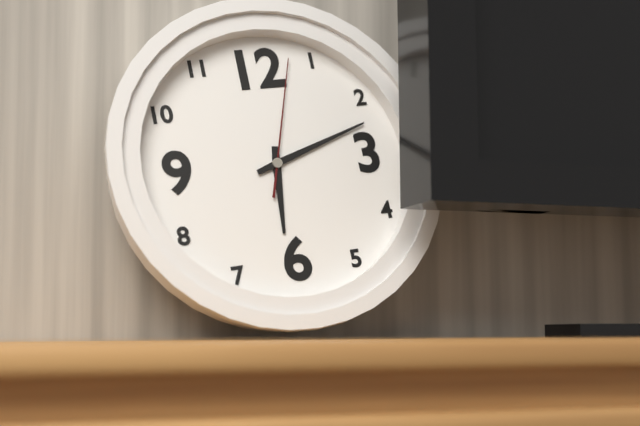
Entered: {"hour": 6, "minute": 12, "second": 3}
